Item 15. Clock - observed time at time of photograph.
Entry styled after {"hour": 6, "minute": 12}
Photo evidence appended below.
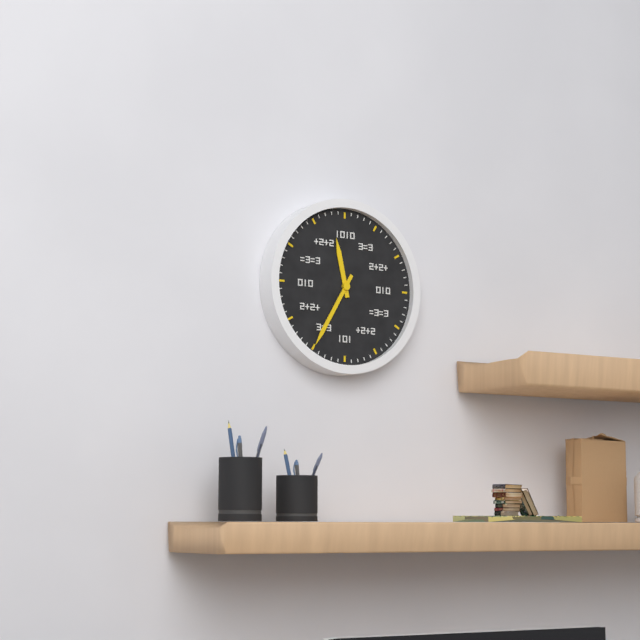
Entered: {"hour": 11, "minute": 35}
